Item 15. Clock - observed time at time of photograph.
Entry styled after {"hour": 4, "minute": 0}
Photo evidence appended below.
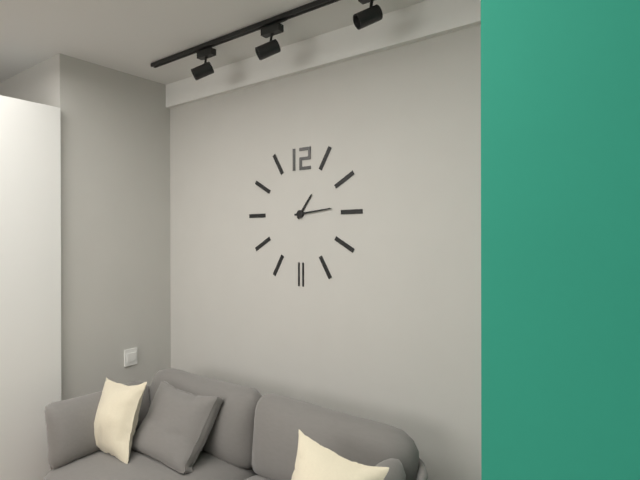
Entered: {"hour": 1, "minute": 14}
